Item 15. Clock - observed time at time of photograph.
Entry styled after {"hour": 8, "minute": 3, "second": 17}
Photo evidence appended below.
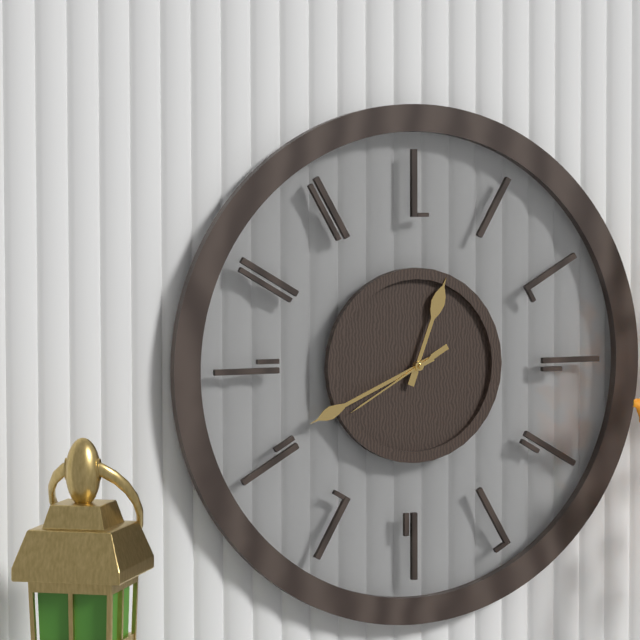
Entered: {"hour": 12, "minute": 41, "second": 40}
